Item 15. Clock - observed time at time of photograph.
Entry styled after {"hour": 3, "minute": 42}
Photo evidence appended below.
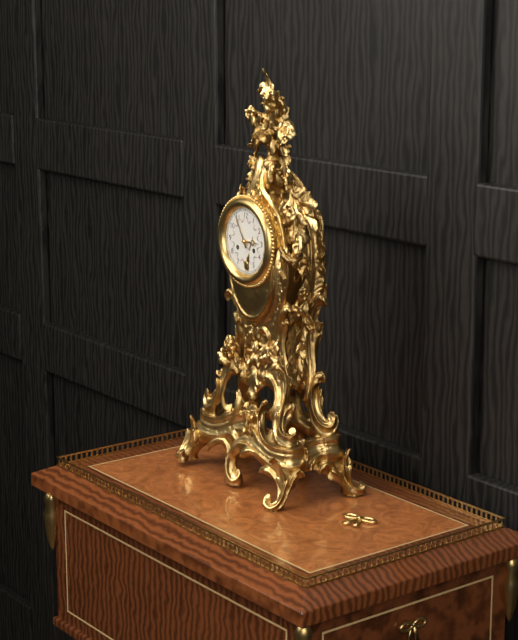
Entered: {"hour": 2, "minute": 55}
